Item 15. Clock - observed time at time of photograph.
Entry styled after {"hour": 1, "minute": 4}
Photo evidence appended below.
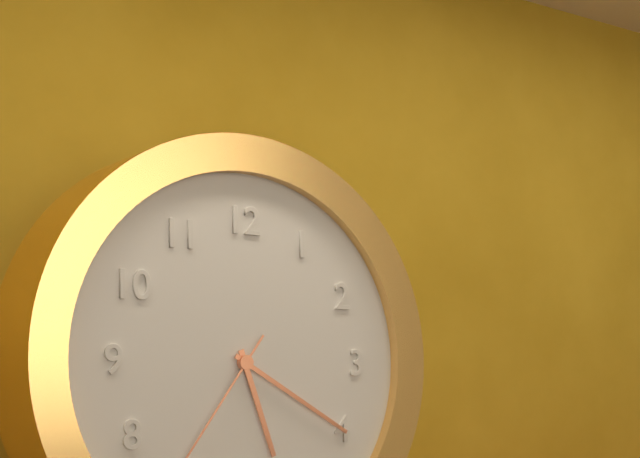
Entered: {"hour": 5, "minute": 20}
